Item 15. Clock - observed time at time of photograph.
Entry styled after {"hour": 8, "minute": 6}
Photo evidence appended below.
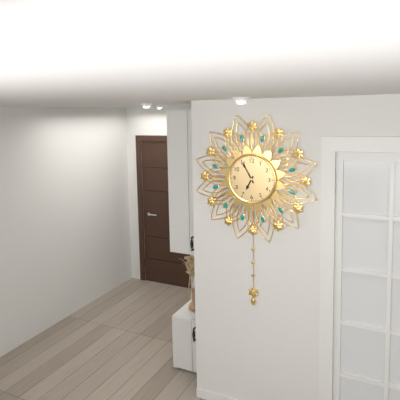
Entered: {"hour": 6, "minute": 55}
